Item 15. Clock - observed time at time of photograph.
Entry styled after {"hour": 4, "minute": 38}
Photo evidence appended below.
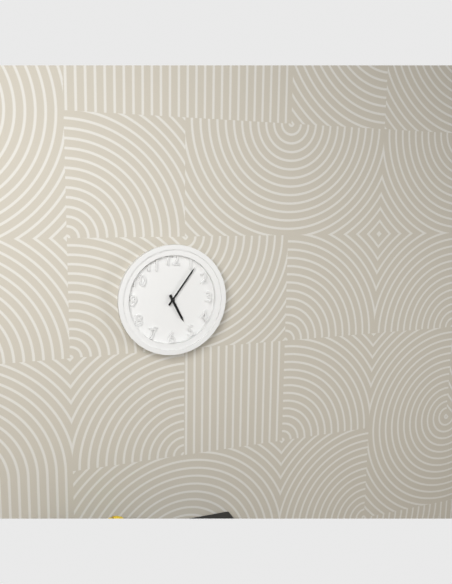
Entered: {"hour": 5, "minute": 6}
